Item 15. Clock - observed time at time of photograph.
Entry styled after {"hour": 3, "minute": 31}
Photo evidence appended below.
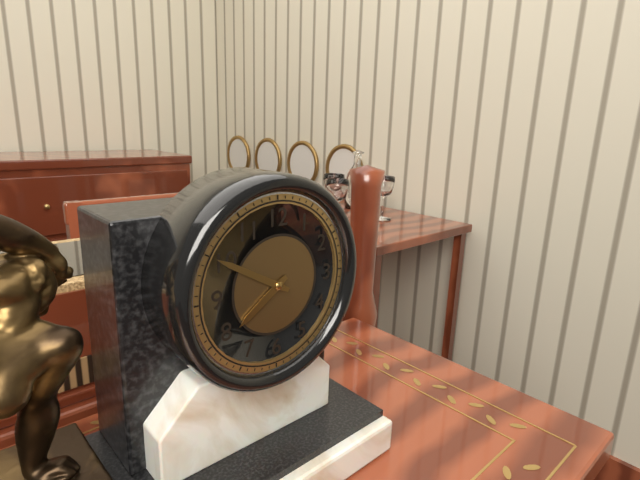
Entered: {"hour": 7, "minute": 50}
